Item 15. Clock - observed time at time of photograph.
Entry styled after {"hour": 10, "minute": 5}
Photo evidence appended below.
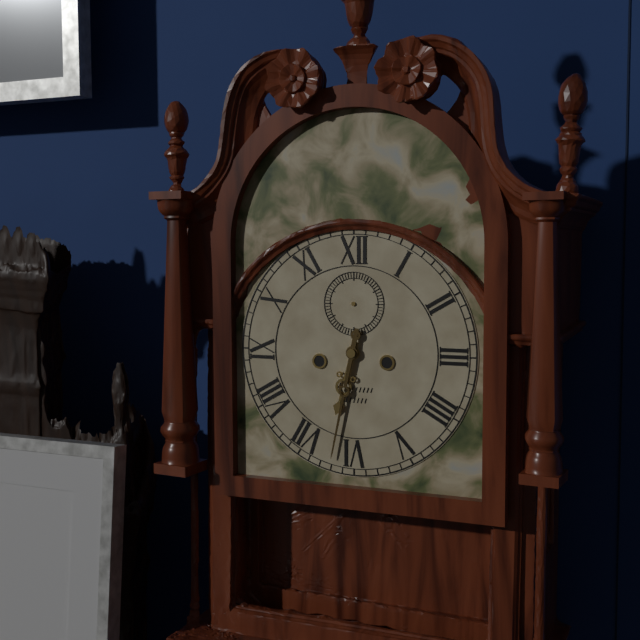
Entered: {"hour": 6, "minute": 32}
